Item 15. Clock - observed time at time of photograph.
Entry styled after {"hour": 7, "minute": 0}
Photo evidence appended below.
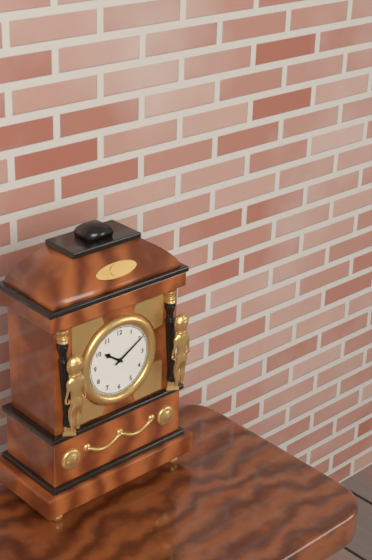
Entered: {"hour": 10, "minute": 10}
